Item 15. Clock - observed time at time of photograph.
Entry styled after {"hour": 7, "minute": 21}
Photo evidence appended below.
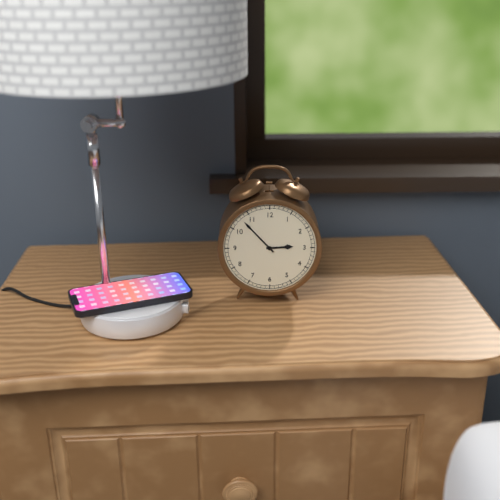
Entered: {"hour": 2, "minute": 53}
